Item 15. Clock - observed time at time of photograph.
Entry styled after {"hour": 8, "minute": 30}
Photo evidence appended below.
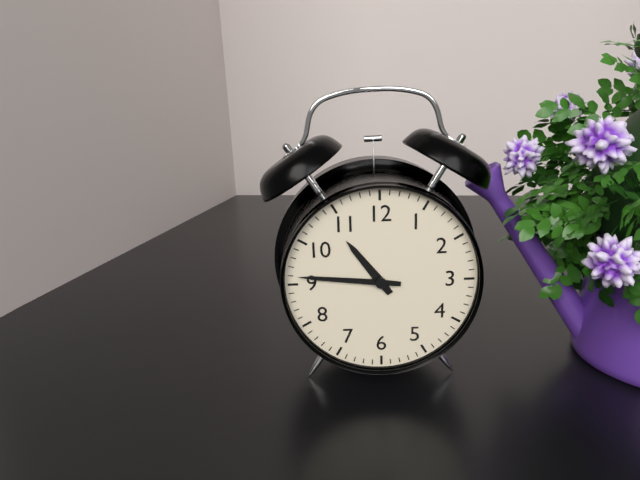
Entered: {"hour": 10, "minute": 46}
